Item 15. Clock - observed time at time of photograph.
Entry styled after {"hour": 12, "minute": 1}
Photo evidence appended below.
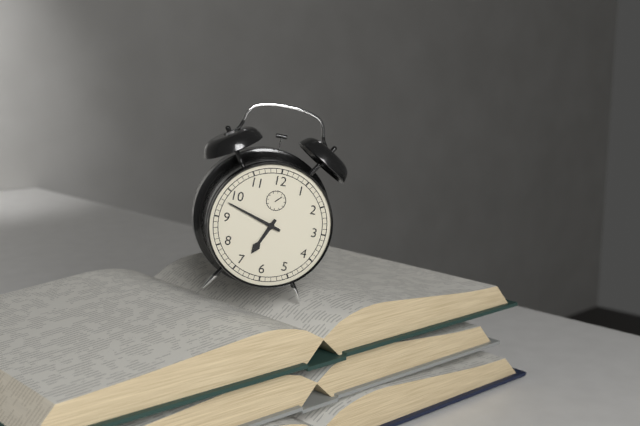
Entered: {"hour": 6, "minute": 48}
